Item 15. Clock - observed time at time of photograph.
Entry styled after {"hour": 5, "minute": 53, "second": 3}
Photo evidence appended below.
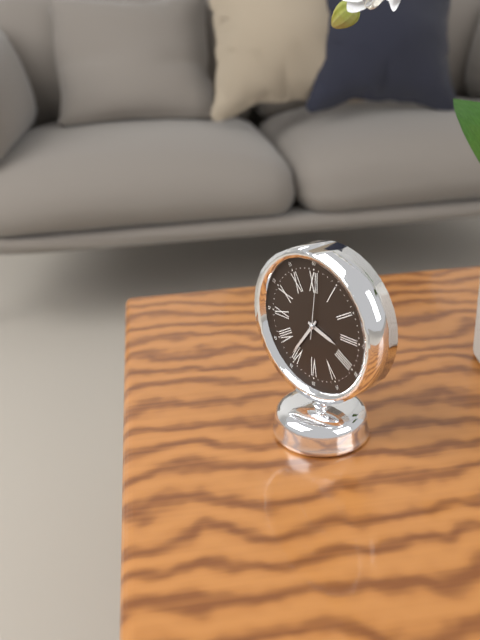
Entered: {"hour": 3, "minute": 36, "second": 1}
